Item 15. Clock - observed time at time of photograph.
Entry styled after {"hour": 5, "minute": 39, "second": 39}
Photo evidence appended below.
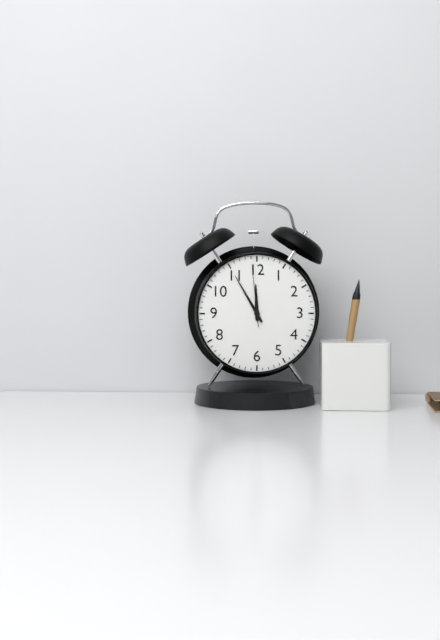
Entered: {"hour": 11, "minute": 55, "second": 59}
